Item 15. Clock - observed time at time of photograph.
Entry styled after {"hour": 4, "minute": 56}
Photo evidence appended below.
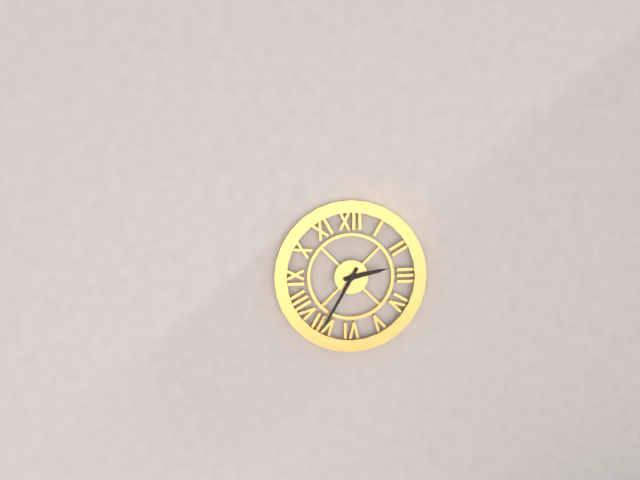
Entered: {"hour": 2, "minute": 35}
